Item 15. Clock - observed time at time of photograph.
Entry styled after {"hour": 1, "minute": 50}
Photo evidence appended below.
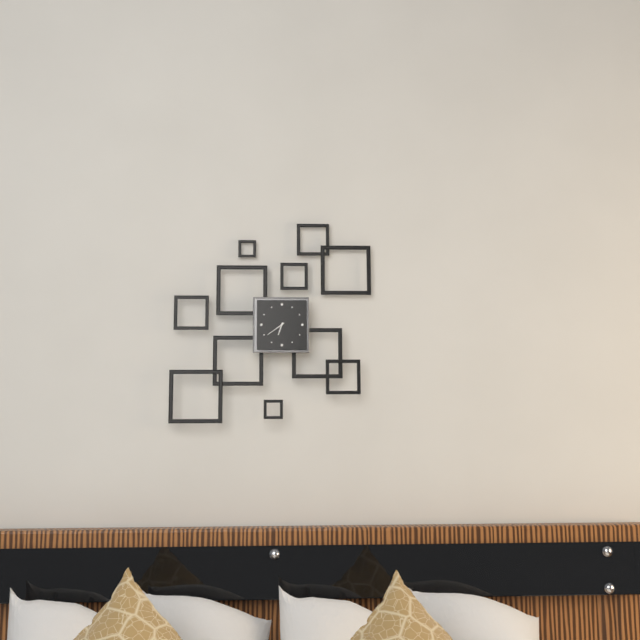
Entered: {"hour": 6, "minute": 39}
